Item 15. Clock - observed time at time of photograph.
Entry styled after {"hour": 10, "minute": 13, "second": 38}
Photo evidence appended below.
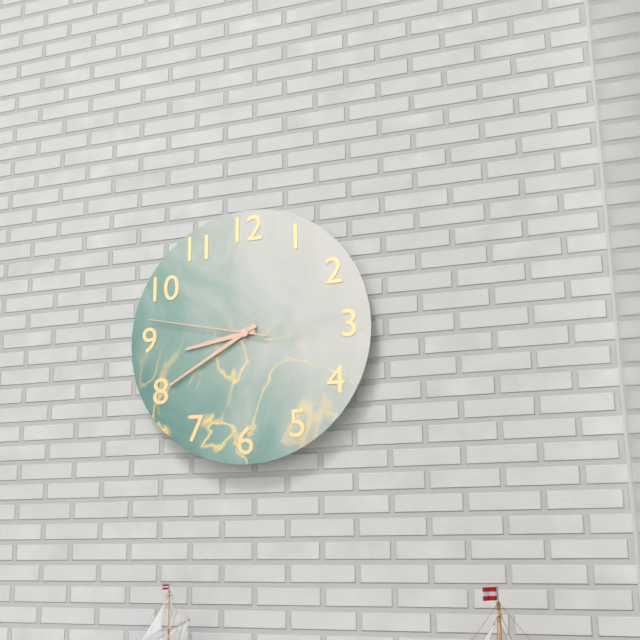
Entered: {"hour": 8, "minute": 40, "second": 47}
